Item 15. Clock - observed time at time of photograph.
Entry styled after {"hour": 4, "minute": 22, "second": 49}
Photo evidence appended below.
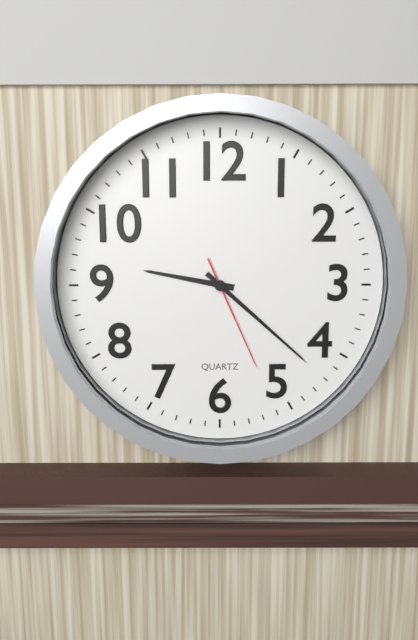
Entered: {"hour": 9, "minute": 22, "second": 26}
